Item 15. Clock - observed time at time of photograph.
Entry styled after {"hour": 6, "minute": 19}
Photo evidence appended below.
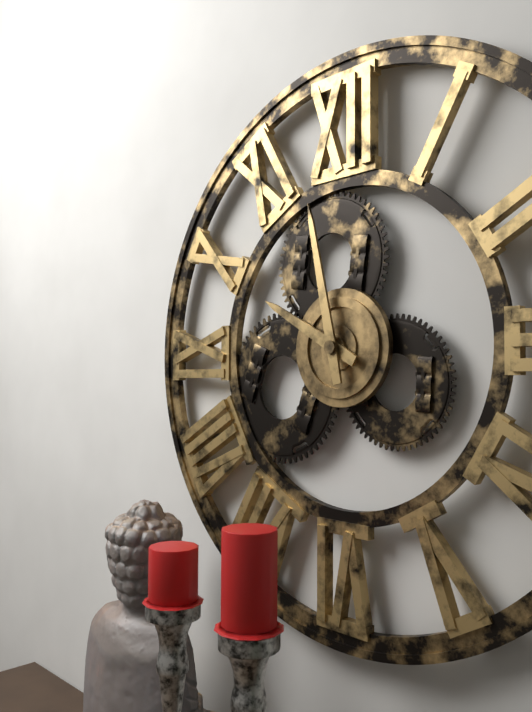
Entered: {"hour": 9, "minute": 58}
